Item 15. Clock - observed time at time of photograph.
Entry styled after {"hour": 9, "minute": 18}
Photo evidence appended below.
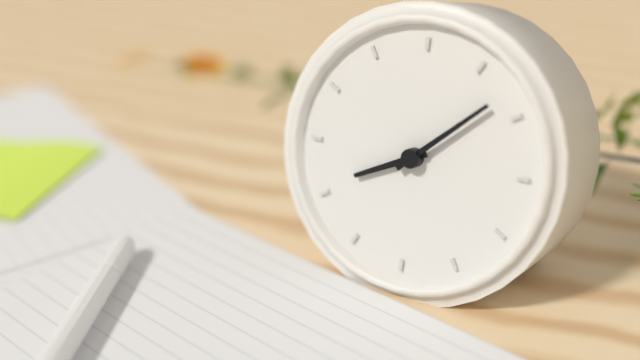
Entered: {"hour": 8, "minute": 8}
